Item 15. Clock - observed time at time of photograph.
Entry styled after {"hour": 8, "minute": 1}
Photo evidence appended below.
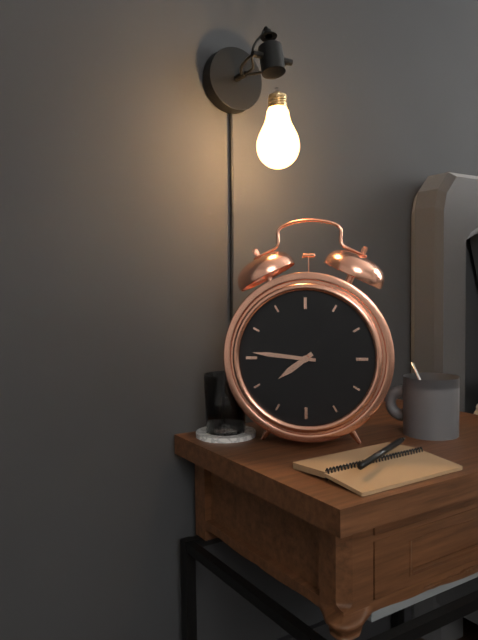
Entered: {"hour": 7, "minute": 46}
